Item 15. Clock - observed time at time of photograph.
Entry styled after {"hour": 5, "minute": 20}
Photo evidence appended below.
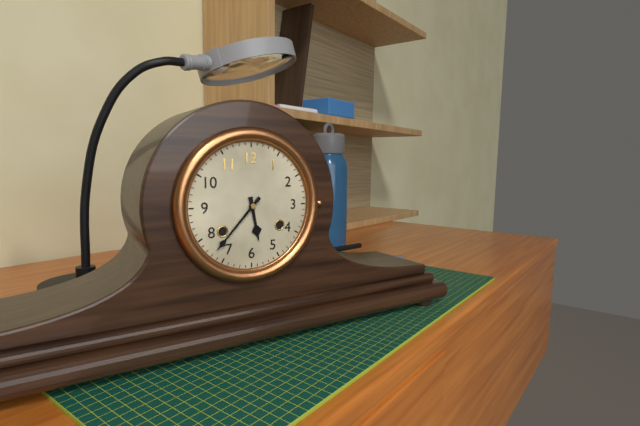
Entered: {"hour": 5, "minute": 37}
